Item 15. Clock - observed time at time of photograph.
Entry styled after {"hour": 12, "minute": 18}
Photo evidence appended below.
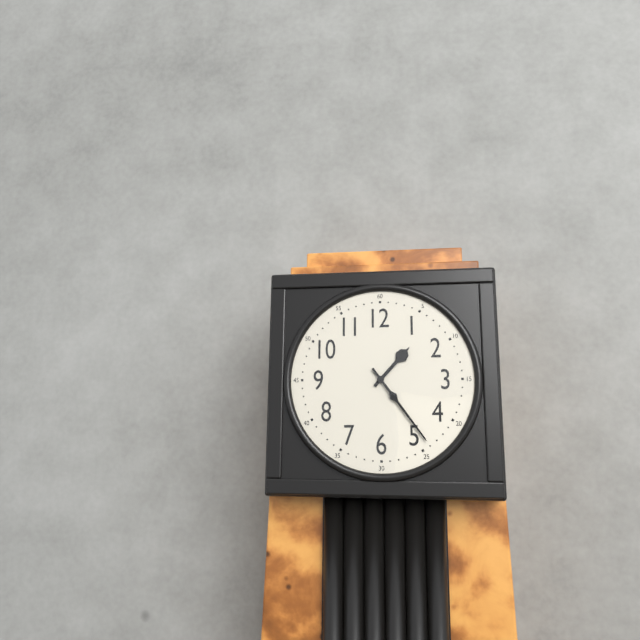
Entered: {"hour": 1, "minute": 24}
